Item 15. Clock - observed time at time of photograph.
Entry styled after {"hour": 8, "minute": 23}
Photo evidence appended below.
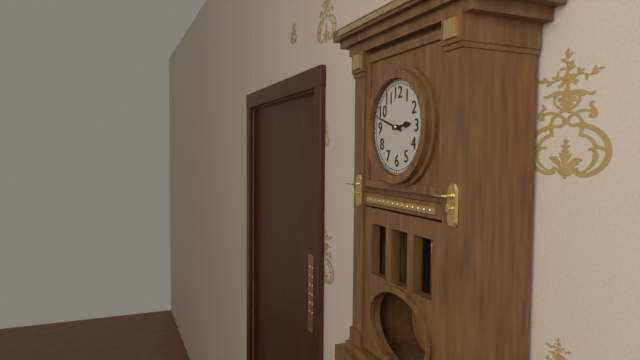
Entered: {"hour": 2, "minute": 48}
